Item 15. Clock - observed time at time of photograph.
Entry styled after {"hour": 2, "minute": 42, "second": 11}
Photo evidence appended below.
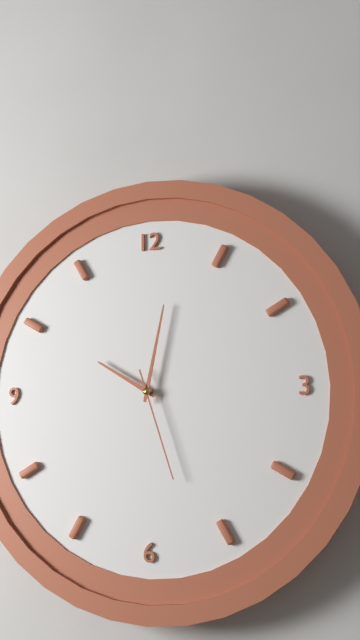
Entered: {"hour": 10, "minute": 2, "second": 27}
